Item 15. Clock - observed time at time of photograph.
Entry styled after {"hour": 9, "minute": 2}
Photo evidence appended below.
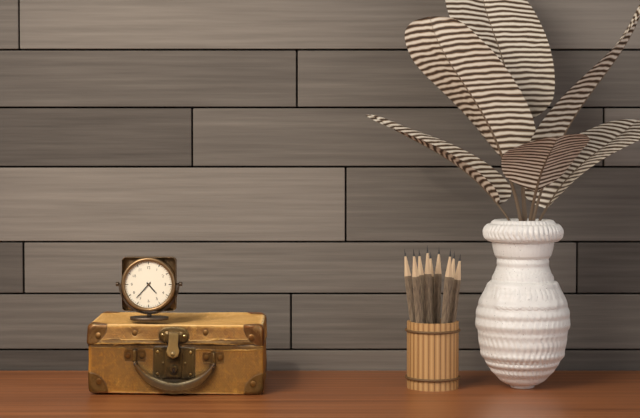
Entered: {"hour": 4, "minute": 37}
